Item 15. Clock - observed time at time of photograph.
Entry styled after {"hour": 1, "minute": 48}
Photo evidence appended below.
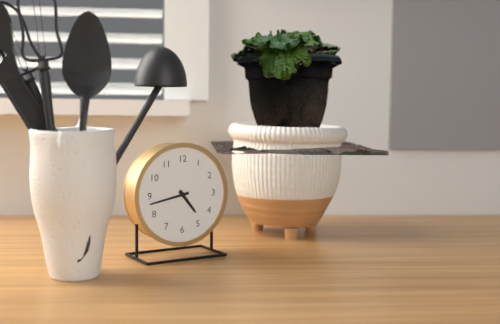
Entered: {"hour": 4, "minute": 43}
